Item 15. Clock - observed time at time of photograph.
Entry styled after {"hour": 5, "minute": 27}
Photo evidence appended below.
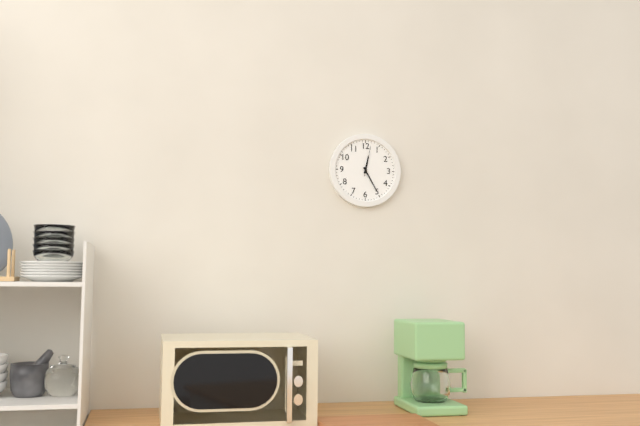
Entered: {"hour": 12, "minute": 25}
